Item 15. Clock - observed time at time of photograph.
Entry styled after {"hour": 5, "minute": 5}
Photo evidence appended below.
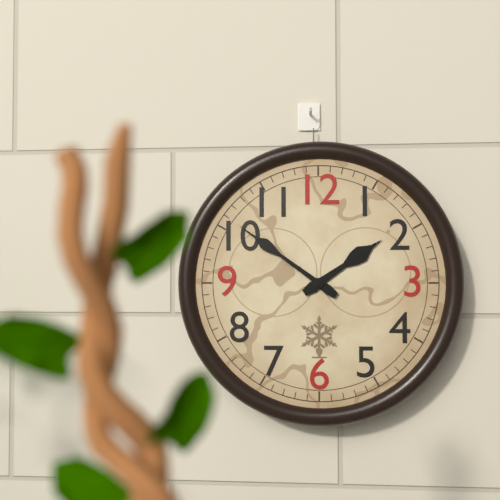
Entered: {"hour": 1, "minute": 51}
